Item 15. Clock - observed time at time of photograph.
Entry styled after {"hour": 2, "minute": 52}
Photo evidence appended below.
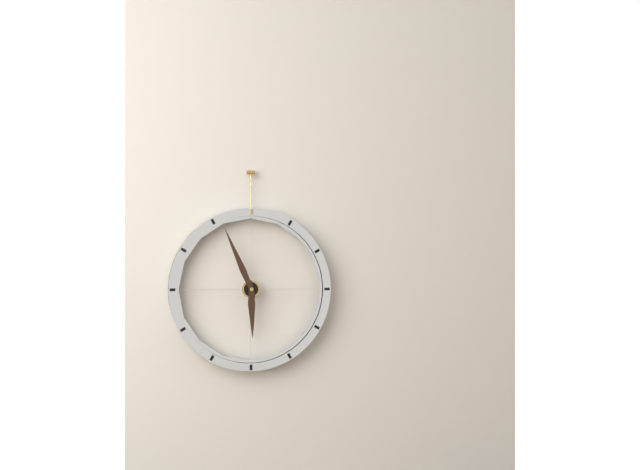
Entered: {"hour": 5, "minute": 56}
